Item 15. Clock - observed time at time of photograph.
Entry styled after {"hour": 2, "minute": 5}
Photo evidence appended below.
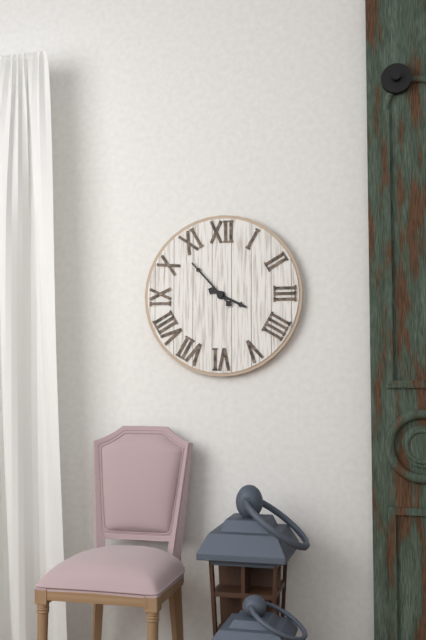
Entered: {"hour": 3, "minute": 53}
